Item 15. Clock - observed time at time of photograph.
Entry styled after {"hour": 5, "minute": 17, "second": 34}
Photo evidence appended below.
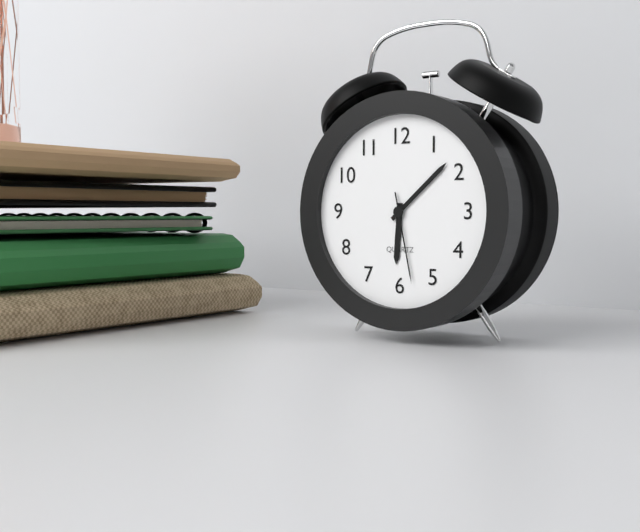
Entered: {"hour": 6, "minute": 8, "second": 28}
